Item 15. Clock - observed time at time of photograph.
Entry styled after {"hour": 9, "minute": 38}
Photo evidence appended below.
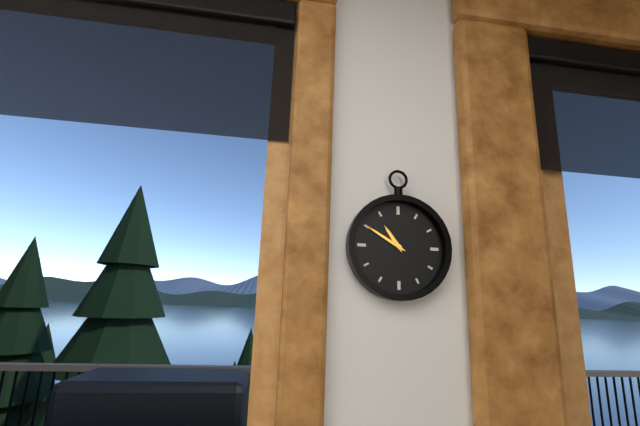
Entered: {"hour": 10, "minute": 50}
